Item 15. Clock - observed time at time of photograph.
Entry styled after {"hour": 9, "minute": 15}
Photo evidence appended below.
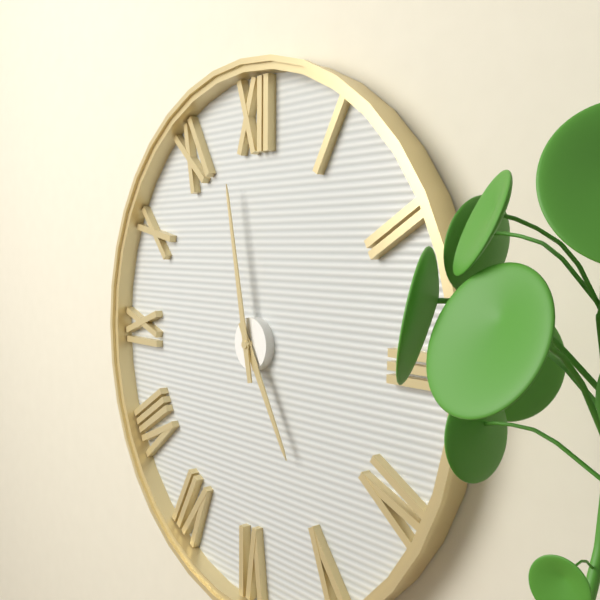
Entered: {"hour": 4, "minute": 58}
